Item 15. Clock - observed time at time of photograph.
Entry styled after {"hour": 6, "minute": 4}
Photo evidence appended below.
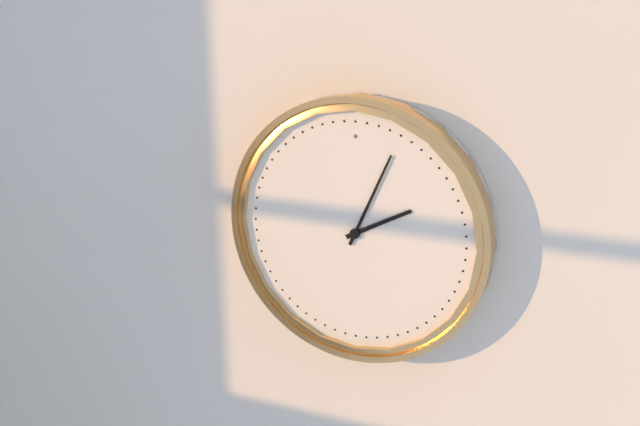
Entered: {"hour": 2, "minute": 4}
